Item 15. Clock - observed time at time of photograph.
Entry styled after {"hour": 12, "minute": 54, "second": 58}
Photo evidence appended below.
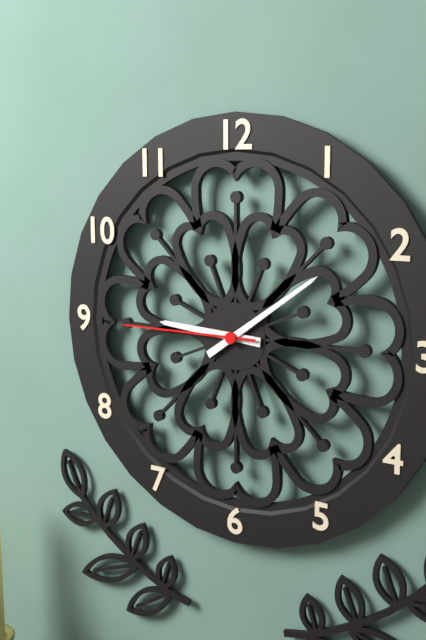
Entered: {"hour": 9, "minute": 9, "second": 45}
